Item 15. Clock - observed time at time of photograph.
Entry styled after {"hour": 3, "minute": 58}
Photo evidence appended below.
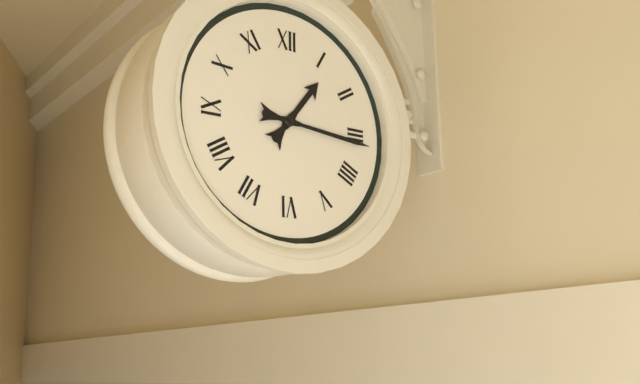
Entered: {"hour": 1, "minute": 16}
